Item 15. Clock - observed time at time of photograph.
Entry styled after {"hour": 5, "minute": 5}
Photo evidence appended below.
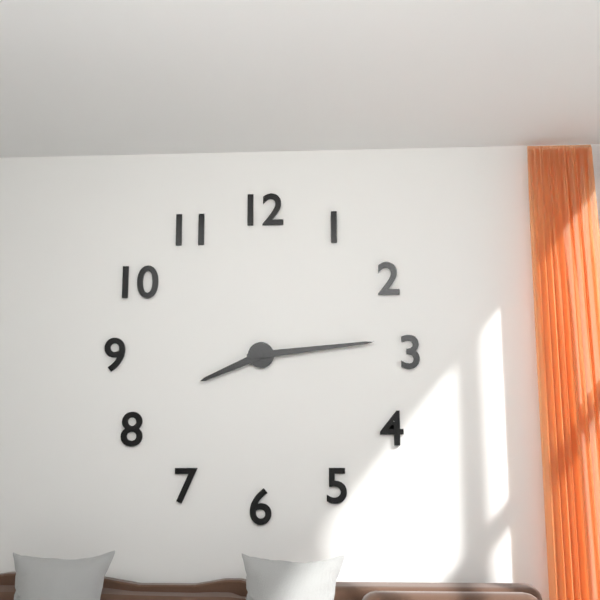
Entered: {"hour": 8, "minute": 14}
